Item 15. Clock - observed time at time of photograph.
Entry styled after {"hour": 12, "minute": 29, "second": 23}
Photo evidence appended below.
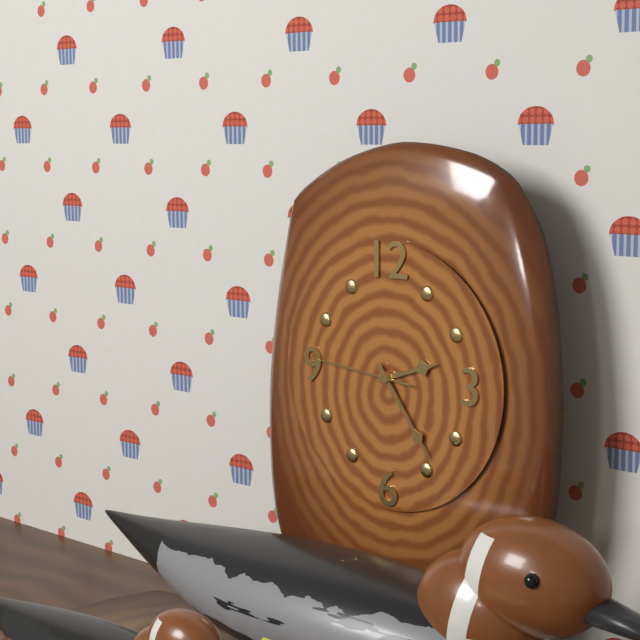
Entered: {"hour": 2, "minute": 24, "second": 46}
